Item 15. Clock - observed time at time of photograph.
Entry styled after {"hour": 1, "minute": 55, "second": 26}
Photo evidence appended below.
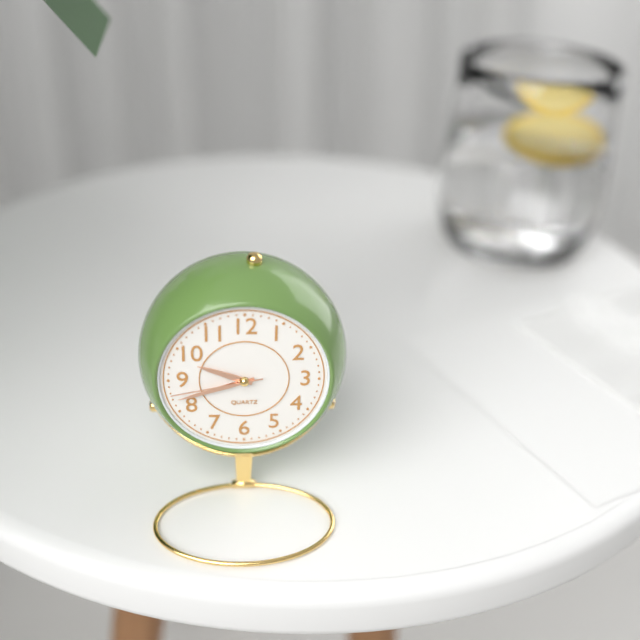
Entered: {"hour": 9, "minute": 42, "second": 43}
